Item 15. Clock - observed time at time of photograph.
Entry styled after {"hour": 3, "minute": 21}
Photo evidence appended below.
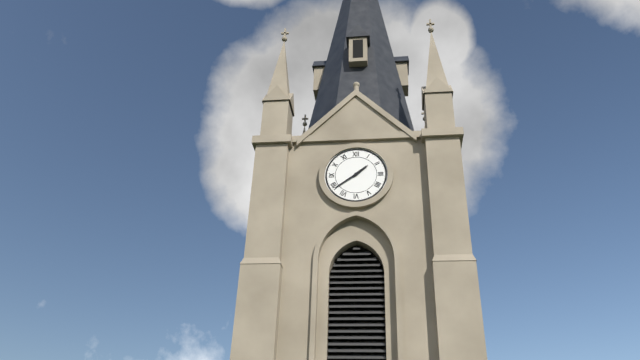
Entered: {"hour": 1, "minute": 39}
